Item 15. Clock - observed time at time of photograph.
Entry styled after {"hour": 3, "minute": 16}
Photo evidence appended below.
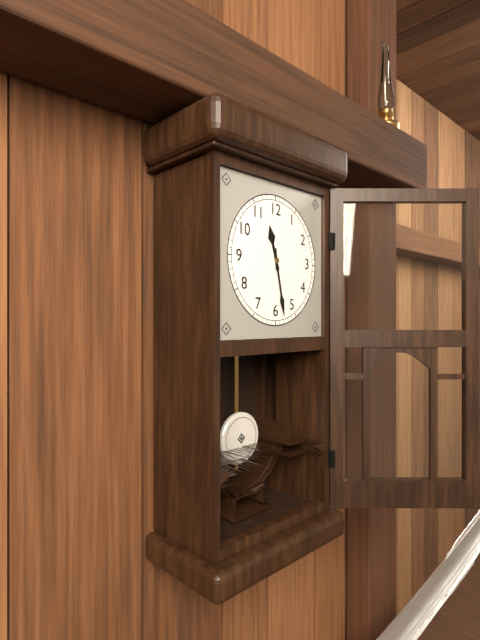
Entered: {"hour": 11, "minute": 28}
